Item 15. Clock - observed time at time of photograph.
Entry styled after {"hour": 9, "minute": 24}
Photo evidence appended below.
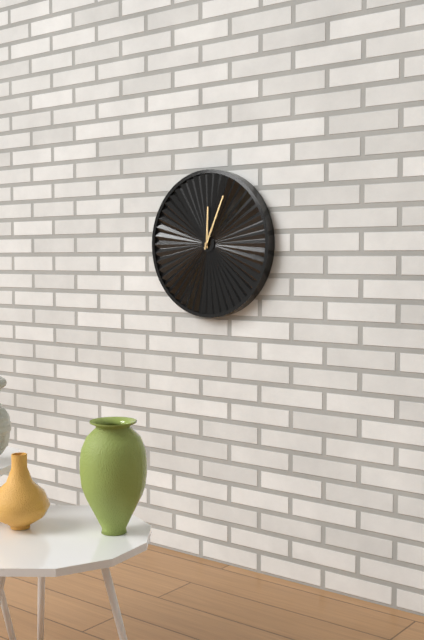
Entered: {"hour": 12, "minute": 4}
